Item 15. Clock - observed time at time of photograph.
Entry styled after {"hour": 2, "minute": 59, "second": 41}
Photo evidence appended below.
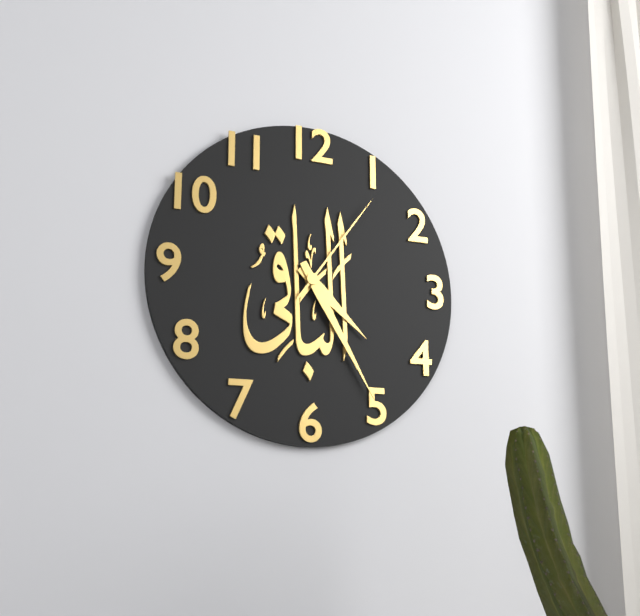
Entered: {"hour": 4, "minute": 25, "second": 6}
